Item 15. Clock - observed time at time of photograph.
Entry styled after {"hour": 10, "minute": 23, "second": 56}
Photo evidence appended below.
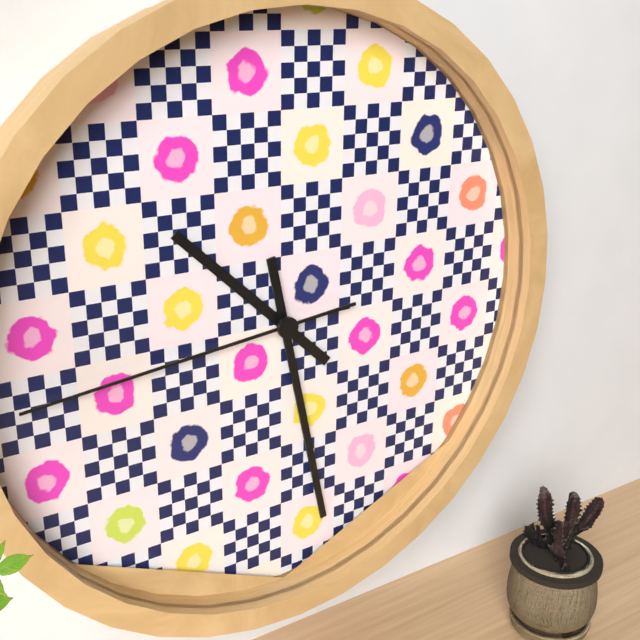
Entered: {"hour": 10, "minute": 28, "second": 44}
